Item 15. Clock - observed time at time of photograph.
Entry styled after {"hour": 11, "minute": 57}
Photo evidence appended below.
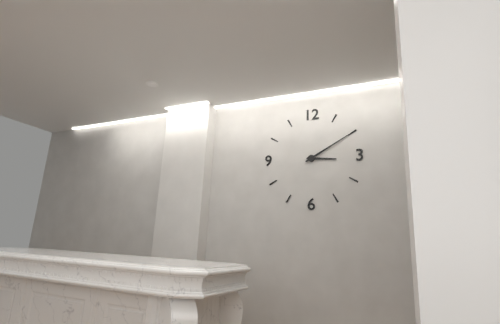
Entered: {"hour": 3, "minute": 10}
